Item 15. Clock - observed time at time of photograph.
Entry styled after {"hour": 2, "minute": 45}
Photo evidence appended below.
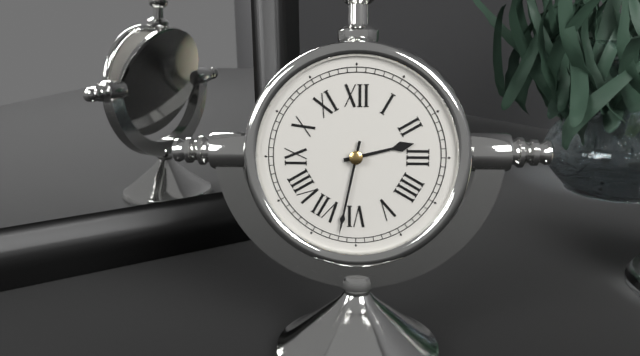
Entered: {"hour": 2, "minute": 32}
